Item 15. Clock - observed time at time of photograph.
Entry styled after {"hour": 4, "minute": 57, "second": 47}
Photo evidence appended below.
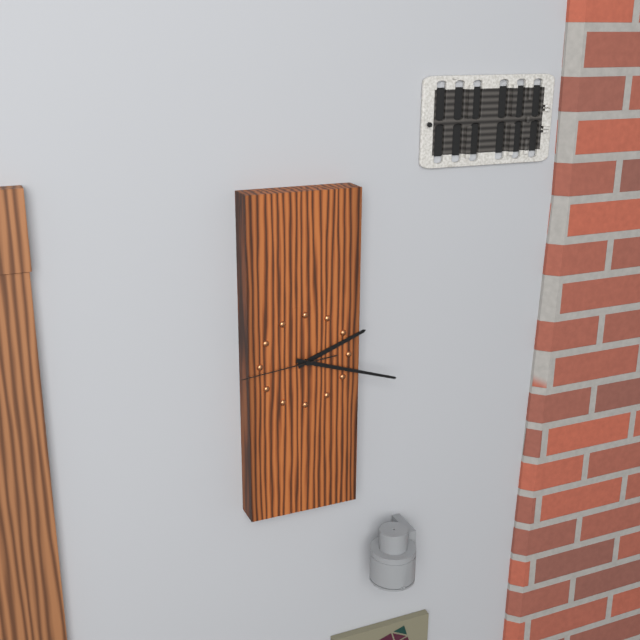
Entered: {"hour": 2, "minute": 18, "second": 44}
